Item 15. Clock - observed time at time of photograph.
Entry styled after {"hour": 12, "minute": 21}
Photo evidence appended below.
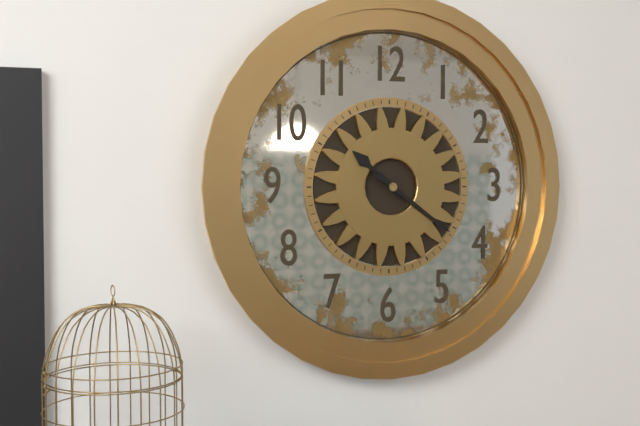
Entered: {"hour": 10, "minute": 21}
